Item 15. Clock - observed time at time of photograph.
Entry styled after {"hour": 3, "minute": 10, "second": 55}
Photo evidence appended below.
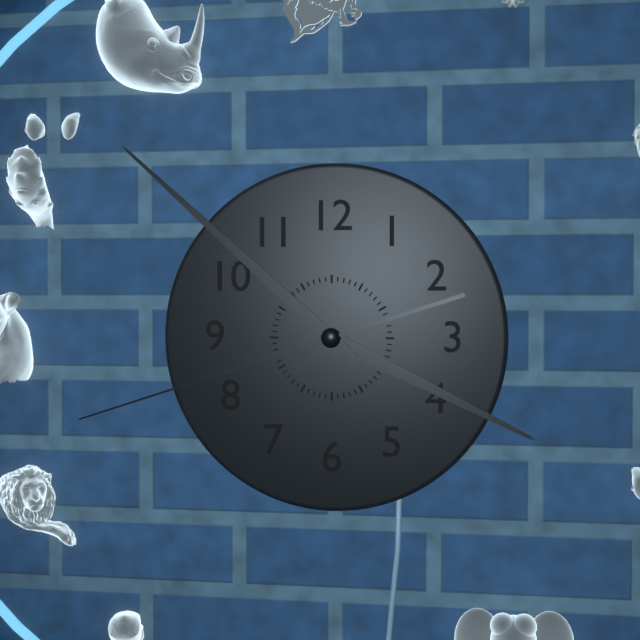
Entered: {"hour": 3, "minute": 52, "second": 42}
